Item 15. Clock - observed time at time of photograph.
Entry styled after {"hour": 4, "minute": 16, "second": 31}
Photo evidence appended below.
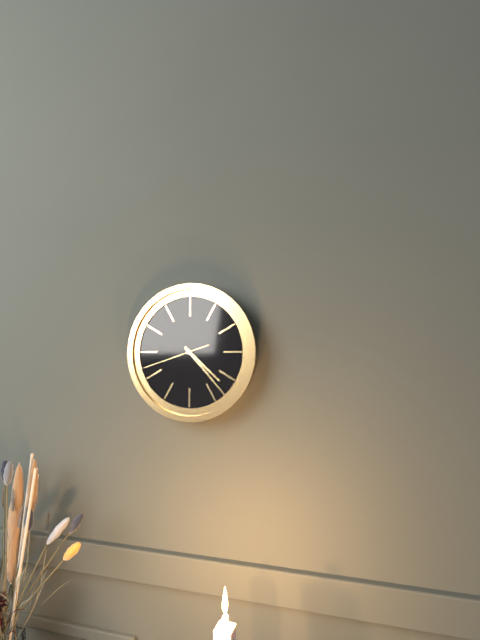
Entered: {"hour": 4, "minute": 23, "second": 42}
